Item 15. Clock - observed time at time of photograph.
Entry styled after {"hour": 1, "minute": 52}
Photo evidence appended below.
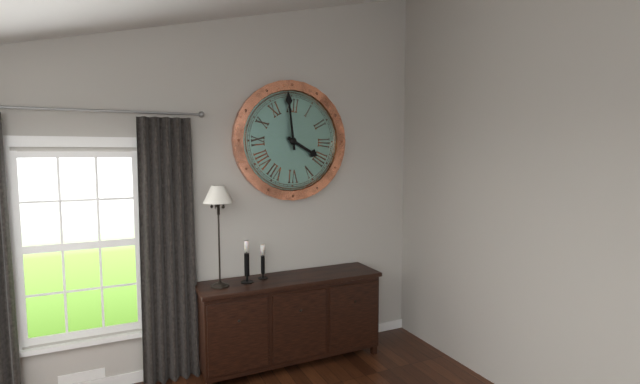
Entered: {"hour": 3, "minute": 59}
